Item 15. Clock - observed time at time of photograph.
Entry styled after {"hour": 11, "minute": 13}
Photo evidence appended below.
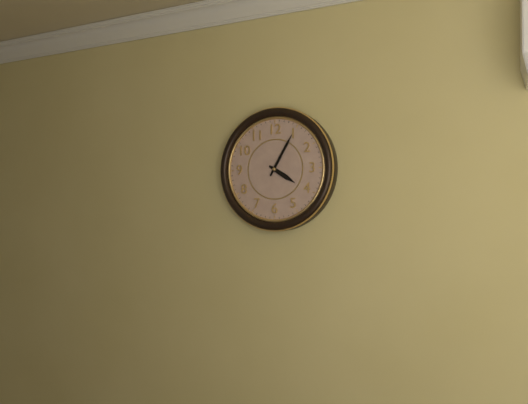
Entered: {"hour": 4, "minute": 5}
